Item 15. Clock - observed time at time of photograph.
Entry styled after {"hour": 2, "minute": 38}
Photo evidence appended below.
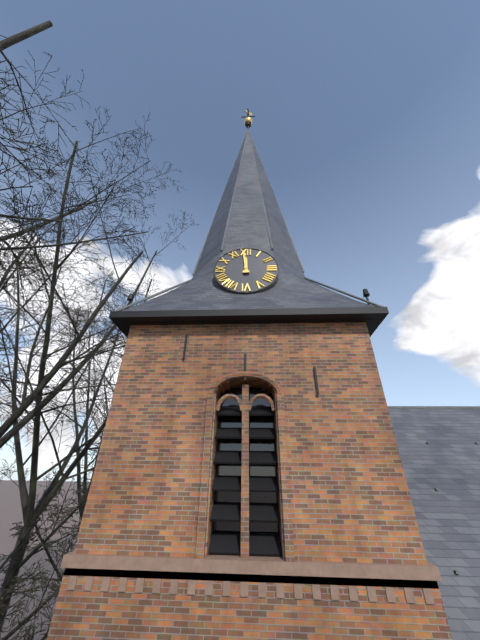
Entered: {"hour": 11, "minute": 59}
